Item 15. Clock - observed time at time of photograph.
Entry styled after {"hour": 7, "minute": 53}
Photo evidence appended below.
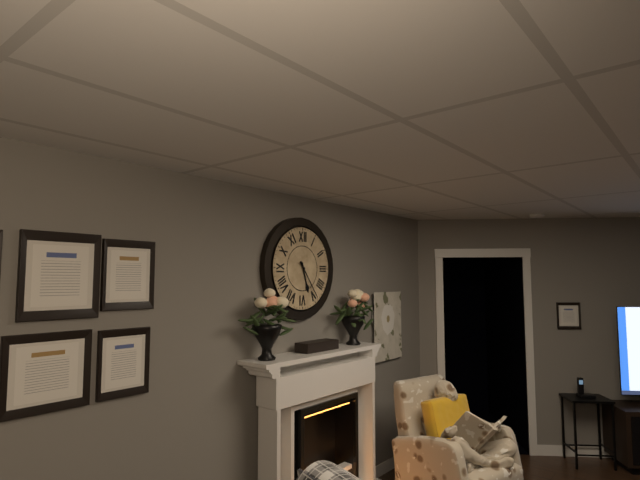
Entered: {"hour": 5, "minute": 24}
